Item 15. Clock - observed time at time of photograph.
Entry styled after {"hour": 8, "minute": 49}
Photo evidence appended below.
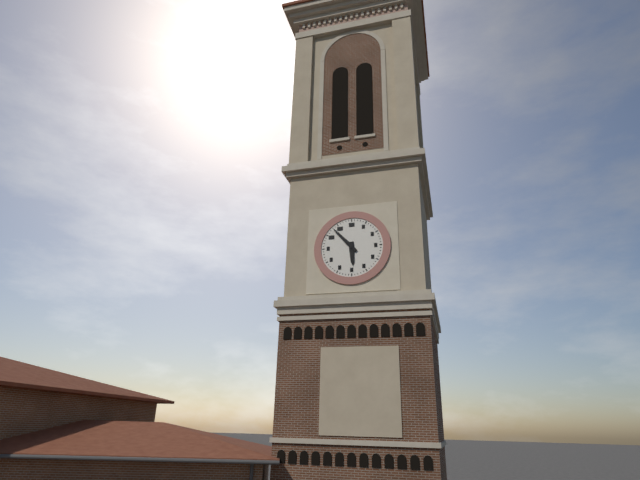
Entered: {"hour": 5, "minute": 53}
